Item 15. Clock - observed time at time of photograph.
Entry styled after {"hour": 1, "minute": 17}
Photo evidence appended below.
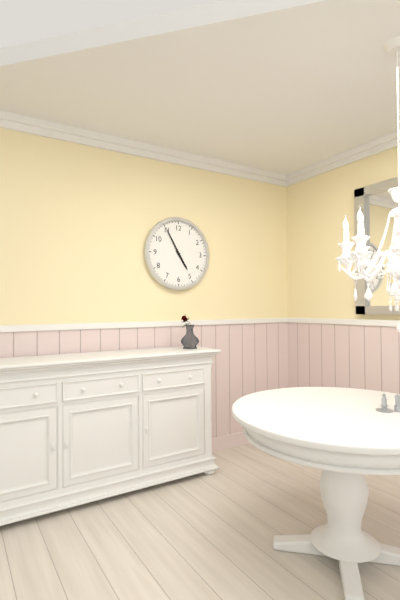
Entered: {"hour": 4, "minute": 55}
